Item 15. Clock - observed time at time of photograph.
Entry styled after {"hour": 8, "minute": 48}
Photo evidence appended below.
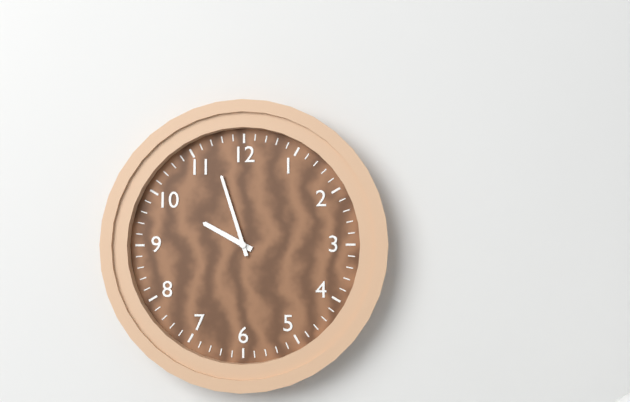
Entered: {"hour": 9, "minute": 57}
